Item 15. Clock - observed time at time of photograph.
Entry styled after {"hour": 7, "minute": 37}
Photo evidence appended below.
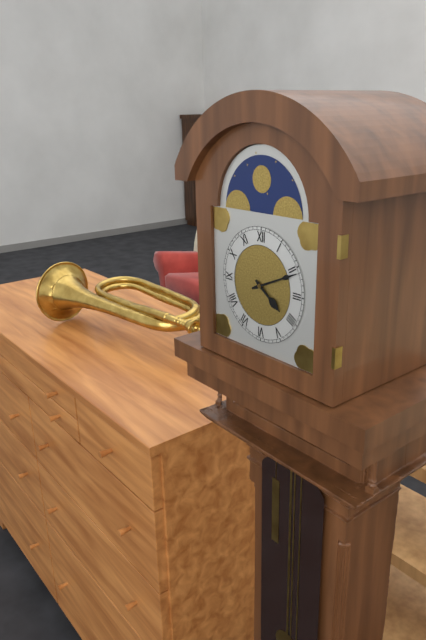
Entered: {"hour": 4, "minute": 11}
